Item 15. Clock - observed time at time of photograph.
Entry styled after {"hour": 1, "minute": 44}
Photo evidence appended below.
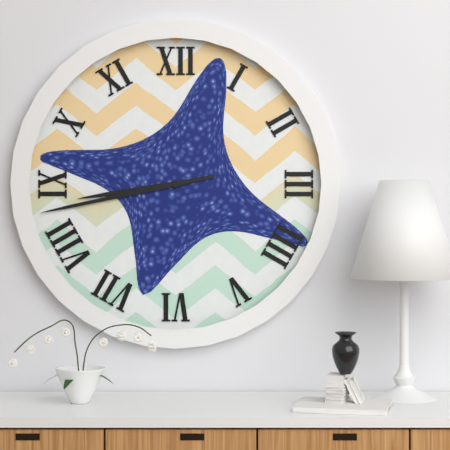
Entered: {"hour": 8, "minute": 43}
